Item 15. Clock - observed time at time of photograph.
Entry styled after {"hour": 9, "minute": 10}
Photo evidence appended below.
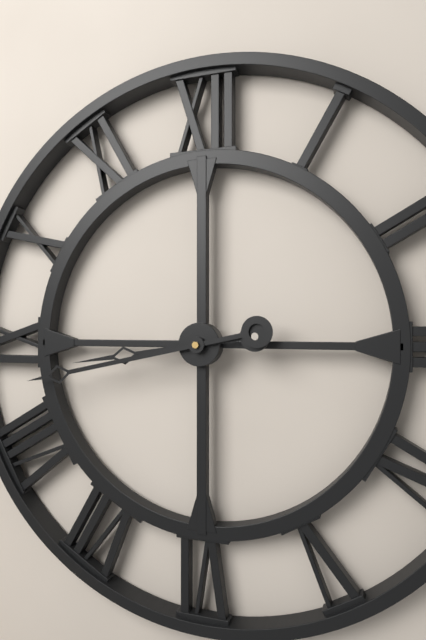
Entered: {"hour": 8, "minute": 43}
